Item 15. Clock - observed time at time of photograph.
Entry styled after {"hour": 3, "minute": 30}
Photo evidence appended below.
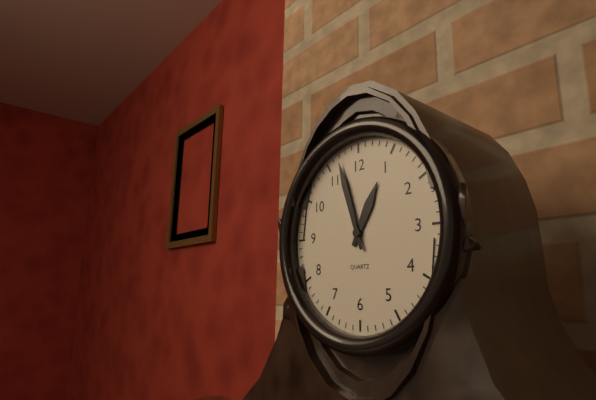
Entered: {"hour": 12, "minute": 57}
